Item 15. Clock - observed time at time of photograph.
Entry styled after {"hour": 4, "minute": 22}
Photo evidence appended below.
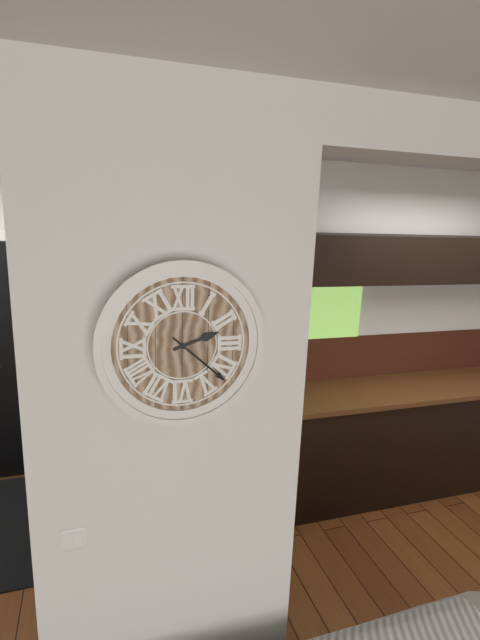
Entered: {"hour": 2, "minute": 22}
